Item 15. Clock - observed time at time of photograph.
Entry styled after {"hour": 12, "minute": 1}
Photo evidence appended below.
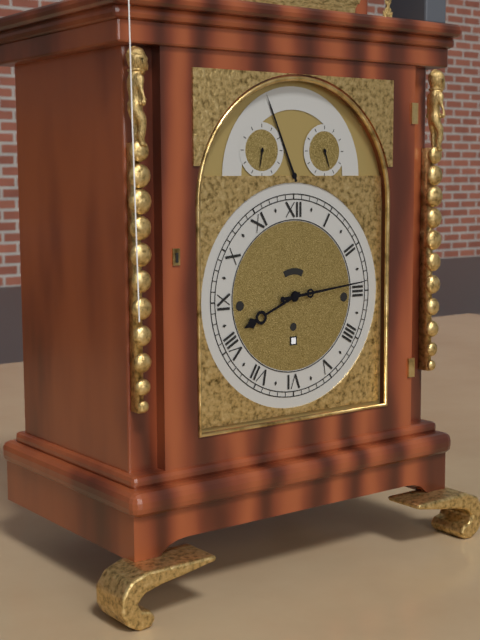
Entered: {"hour": 8, "minute": 14}
